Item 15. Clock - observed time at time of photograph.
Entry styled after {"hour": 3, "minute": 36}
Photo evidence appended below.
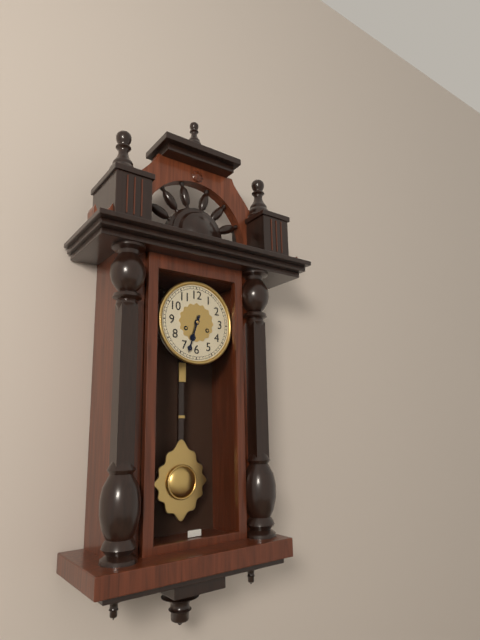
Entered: {"hour": 6, "minute": 33}
